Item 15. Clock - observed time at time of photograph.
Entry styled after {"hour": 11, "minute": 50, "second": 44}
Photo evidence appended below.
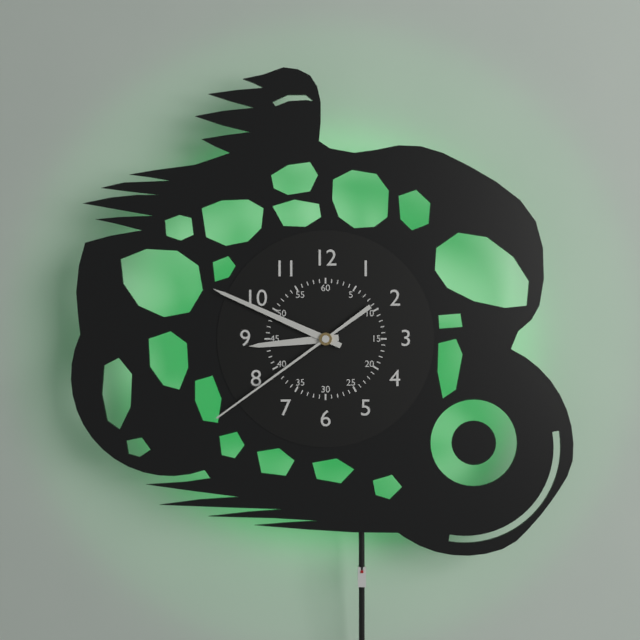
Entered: {"hour": 8, "minute": 49, "second": 39}
